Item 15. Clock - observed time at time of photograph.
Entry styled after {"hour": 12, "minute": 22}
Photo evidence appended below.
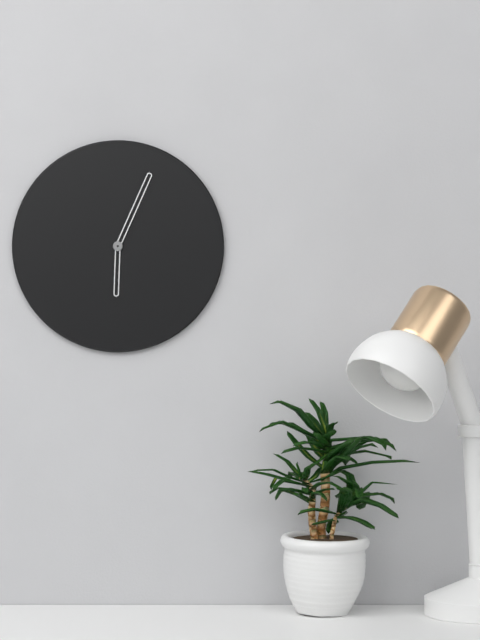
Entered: {"hour": 6, "minute": 4}
